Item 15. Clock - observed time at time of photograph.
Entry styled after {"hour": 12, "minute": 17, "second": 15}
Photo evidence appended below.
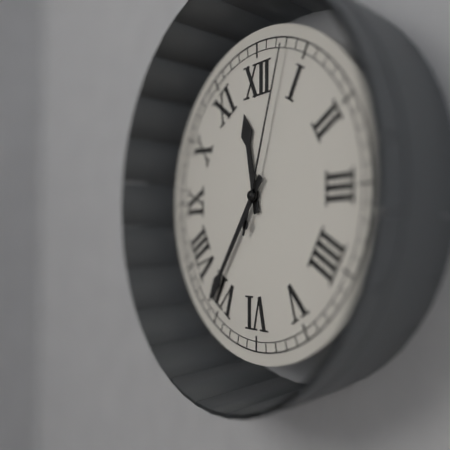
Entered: {"hour": 11, "minute": 36, "second": 3}
